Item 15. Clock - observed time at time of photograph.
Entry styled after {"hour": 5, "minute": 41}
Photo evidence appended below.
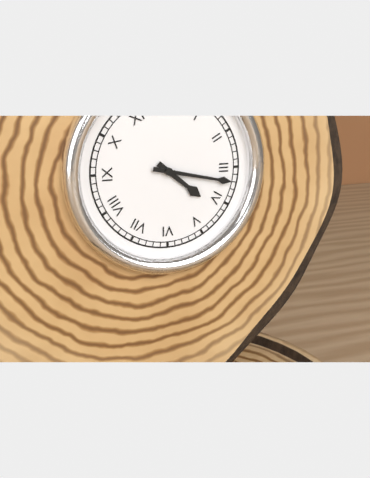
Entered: {"hour": 4, "minute": 17}
